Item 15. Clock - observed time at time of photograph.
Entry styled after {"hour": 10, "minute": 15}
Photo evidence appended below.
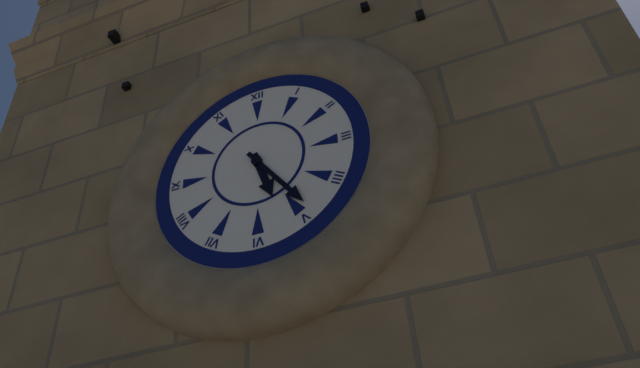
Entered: {"hour": 5, "minute": 24}
